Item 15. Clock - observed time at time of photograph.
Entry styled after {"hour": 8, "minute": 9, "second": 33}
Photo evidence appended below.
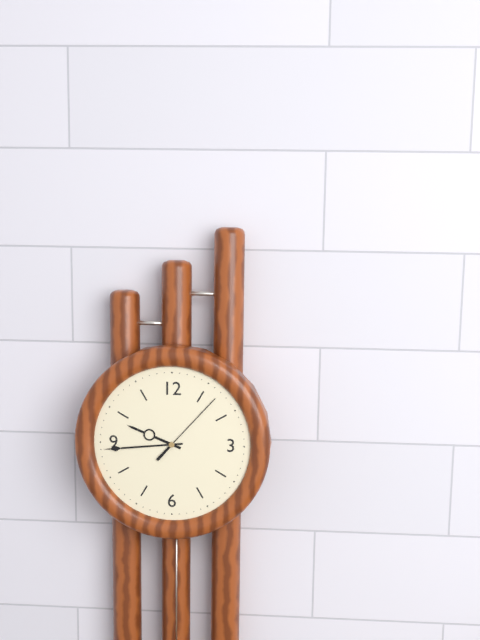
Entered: {"hour": 9, "minute": 44, "second": 7}
